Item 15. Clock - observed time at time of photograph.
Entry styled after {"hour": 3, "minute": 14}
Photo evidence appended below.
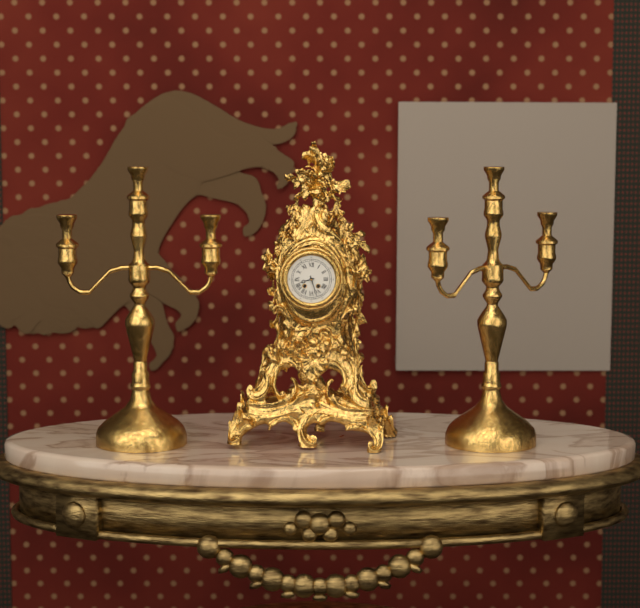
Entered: {"hour": 8, "minute": 27}
